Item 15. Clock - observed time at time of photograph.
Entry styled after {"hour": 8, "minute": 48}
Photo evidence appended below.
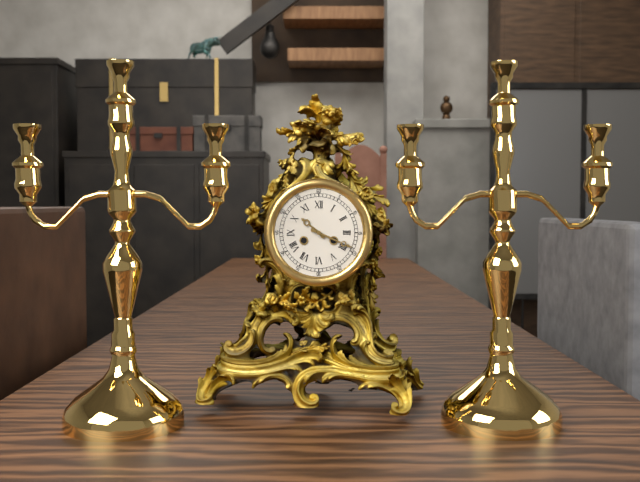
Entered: {"hour": 10, "minute": 19}
